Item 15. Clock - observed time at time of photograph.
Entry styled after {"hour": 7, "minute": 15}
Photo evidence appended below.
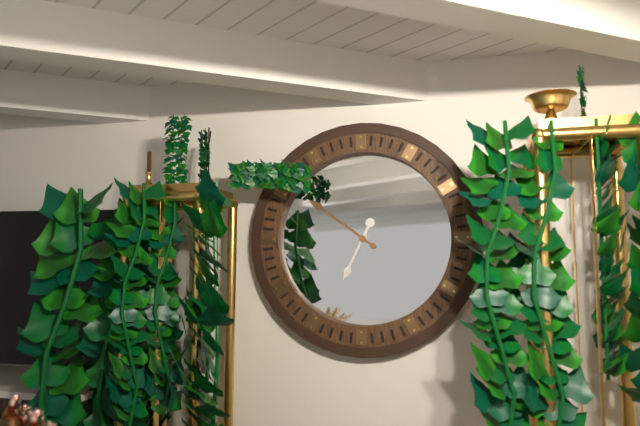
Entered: {"hour": 6, "minute": 51}
